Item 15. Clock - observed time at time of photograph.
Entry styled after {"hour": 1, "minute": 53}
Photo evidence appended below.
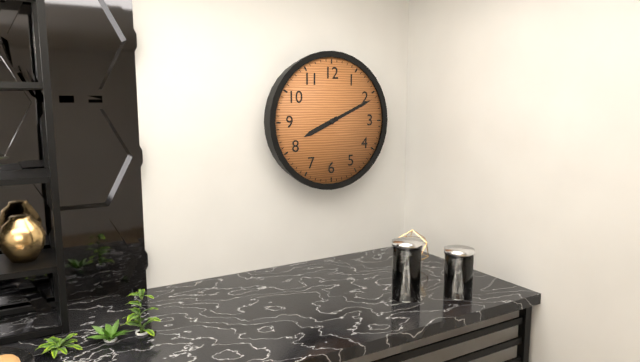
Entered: {"hour": 8, "minute": 11}
